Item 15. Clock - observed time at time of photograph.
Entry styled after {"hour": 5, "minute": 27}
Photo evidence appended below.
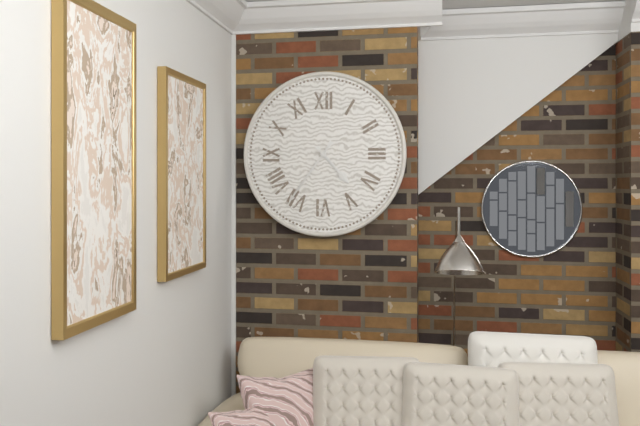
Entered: {"hour": 4, "minute": 36}
